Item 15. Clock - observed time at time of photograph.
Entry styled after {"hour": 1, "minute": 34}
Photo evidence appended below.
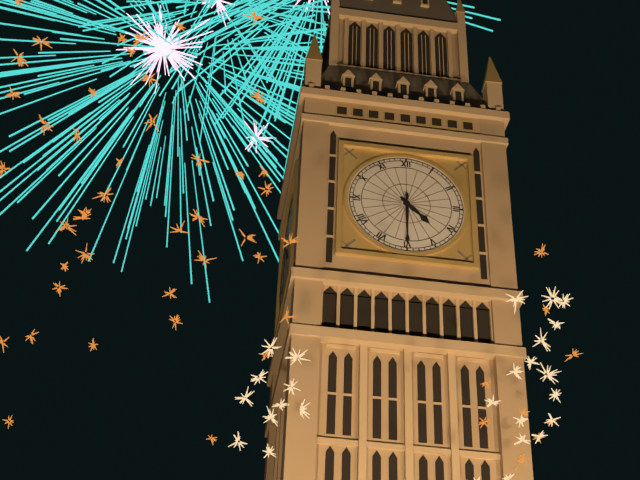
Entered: {"hour": 4, "minute": 30}
